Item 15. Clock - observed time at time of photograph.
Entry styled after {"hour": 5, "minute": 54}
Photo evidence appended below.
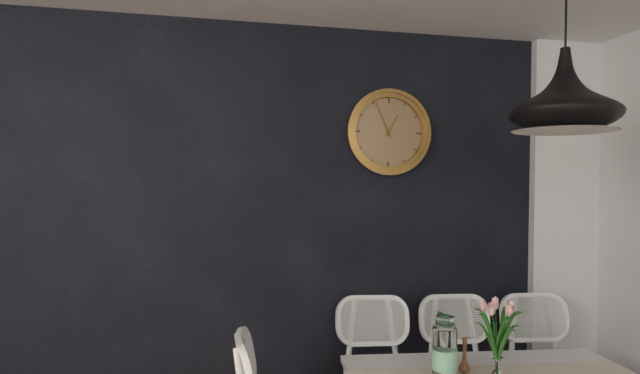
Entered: {"hour": 12, "minute": 56}
